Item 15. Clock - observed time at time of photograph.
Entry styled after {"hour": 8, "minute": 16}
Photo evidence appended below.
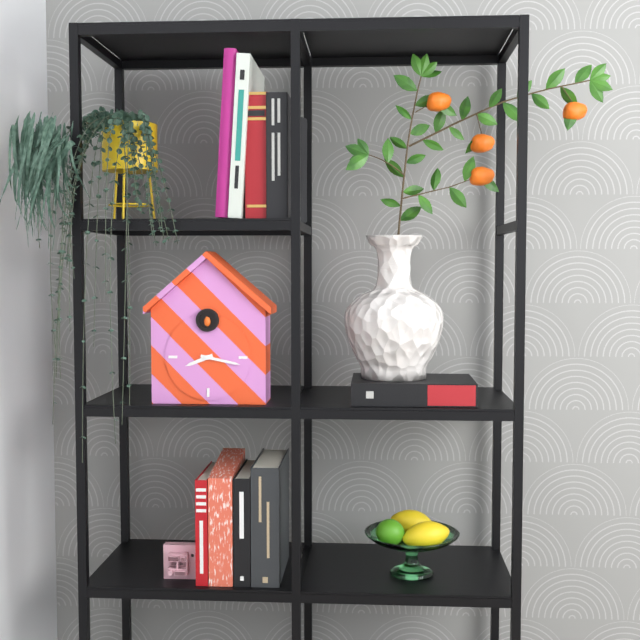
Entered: {"hour": 8, "minute": 17}
